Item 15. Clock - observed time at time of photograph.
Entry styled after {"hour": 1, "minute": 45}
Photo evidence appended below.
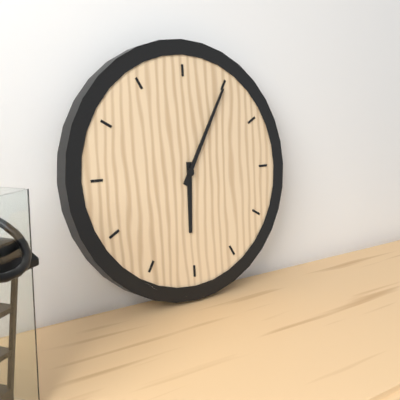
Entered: {"hour": 6, "minute": 5}
